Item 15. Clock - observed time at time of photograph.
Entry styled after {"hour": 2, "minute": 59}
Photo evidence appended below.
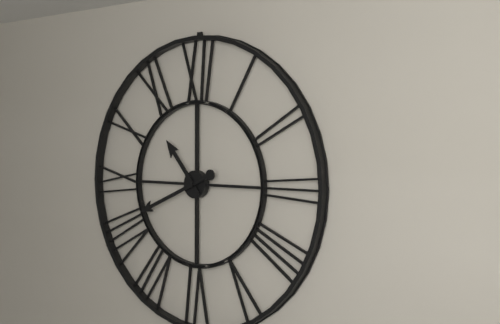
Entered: {"hour": 10, "minute": 41}
